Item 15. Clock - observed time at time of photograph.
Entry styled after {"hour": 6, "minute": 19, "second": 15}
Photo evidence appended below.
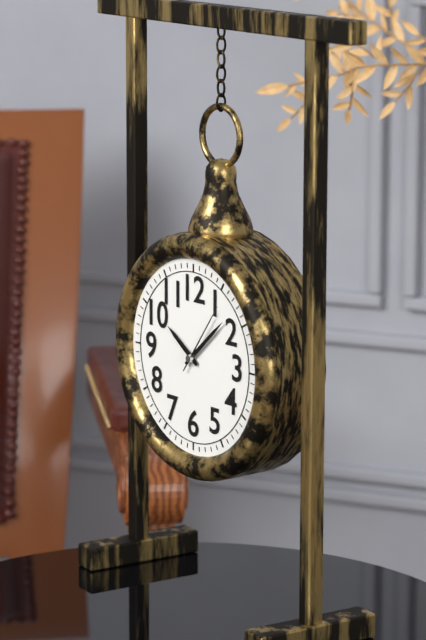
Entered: {"hour": 10, "minute": 8, "second": 6}
